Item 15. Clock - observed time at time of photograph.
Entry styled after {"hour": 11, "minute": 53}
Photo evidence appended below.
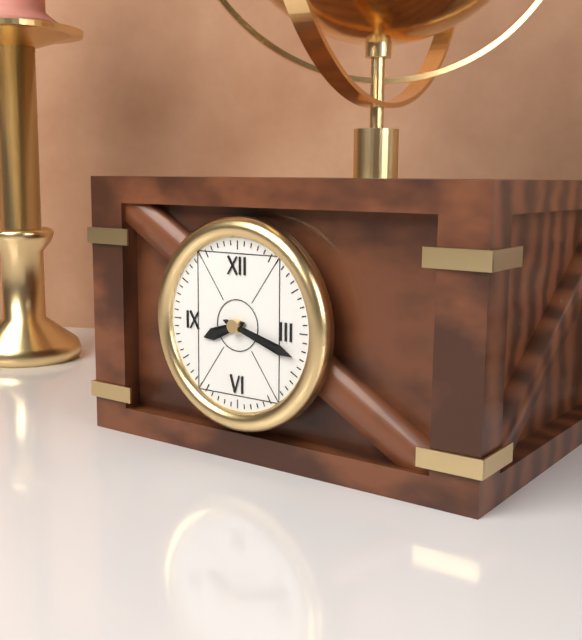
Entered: {"hour": 8, "minute": 18}
